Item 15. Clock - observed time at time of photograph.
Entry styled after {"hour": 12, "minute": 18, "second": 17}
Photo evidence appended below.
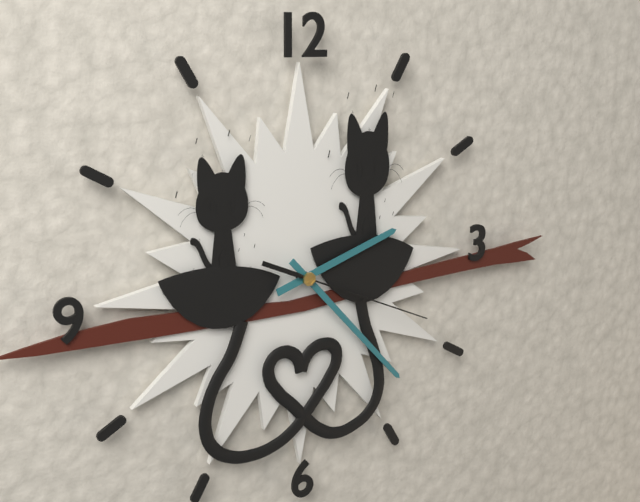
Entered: {"hour": 2, "minute": 23, "second": 19}
